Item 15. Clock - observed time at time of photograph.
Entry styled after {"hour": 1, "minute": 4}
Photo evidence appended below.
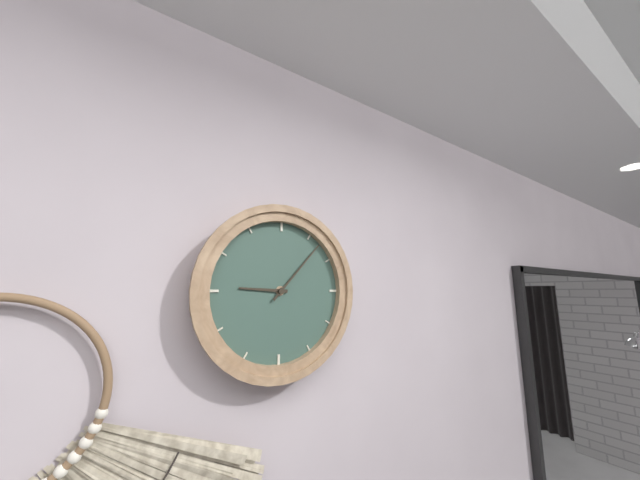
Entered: {"hour": 9, "minute": 7}
